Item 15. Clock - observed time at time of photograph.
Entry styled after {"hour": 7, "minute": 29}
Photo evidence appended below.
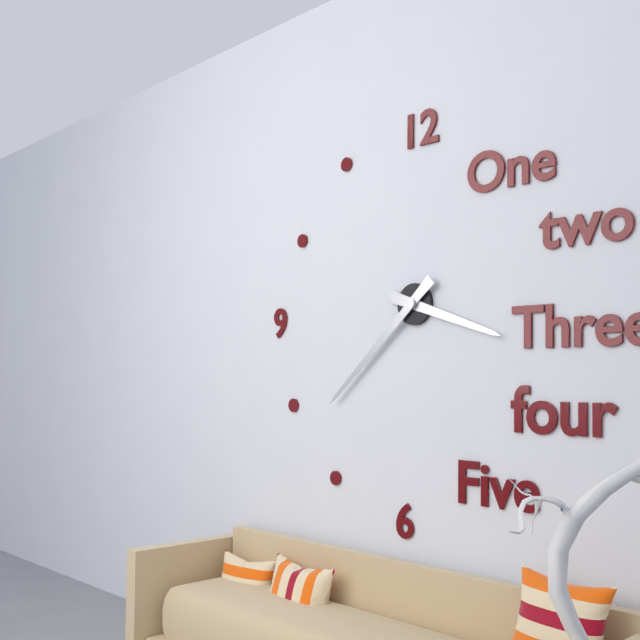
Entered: {"hour": 3, "minute": 38}
